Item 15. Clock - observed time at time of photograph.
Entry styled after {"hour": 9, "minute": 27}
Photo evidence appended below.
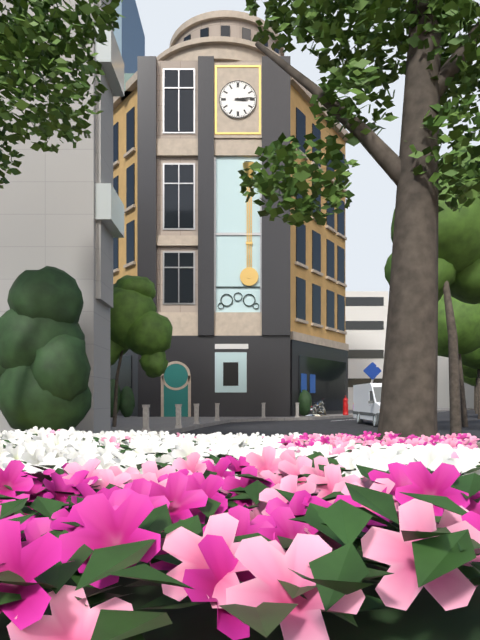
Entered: {"hour": 3, "minute": 14}
